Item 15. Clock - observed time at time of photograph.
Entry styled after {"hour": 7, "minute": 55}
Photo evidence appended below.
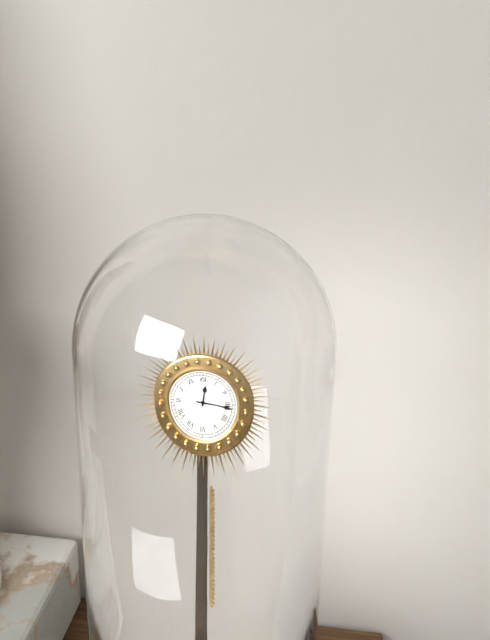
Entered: {"hour": 12, "minute": 16}
